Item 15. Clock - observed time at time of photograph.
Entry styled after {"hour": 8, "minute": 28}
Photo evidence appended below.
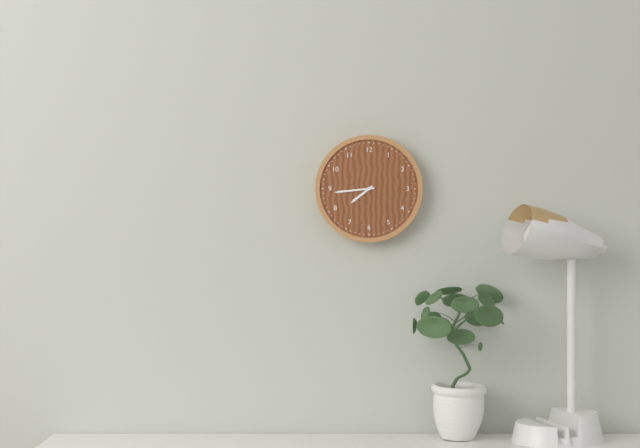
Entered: {"hour": 7, "minute": 44}
